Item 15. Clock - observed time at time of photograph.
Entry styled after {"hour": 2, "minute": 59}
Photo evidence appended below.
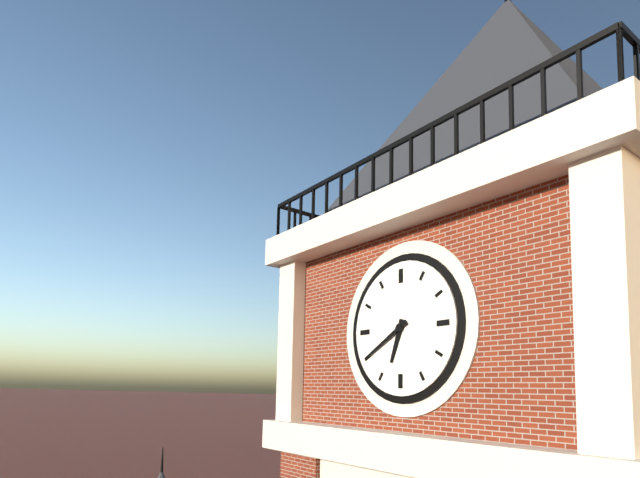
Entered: {"hour": 6, "minute": 40}
